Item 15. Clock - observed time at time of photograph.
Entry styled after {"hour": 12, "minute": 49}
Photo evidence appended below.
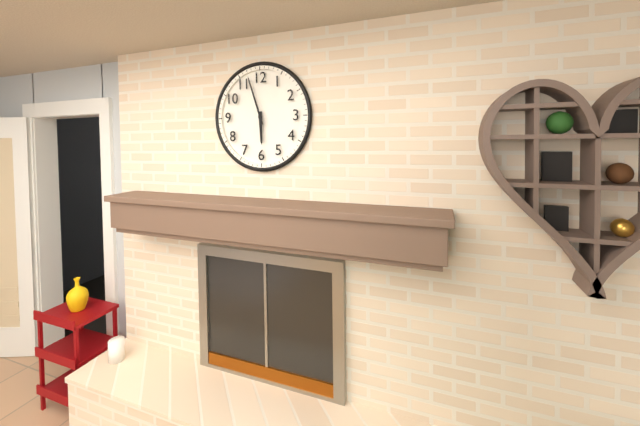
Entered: {"hour": 5, "minute": 57}
